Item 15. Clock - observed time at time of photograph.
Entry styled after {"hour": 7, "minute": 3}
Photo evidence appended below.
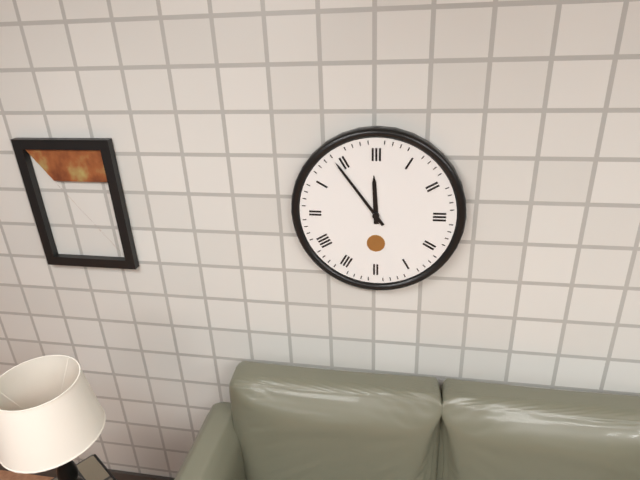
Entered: {"hour": 11, "minute": 54}
